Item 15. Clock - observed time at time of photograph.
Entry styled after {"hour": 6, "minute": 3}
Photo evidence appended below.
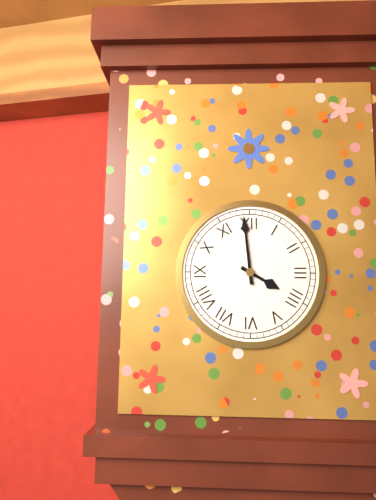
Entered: {"hour": 3, "minute": 59}
